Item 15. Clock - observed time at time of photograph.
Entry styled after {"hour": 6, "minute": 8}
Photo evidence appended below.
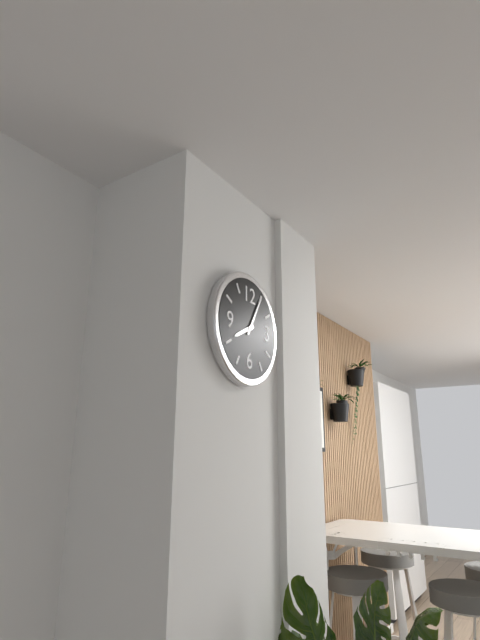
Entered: {"hour": 8, "minute": 5}
